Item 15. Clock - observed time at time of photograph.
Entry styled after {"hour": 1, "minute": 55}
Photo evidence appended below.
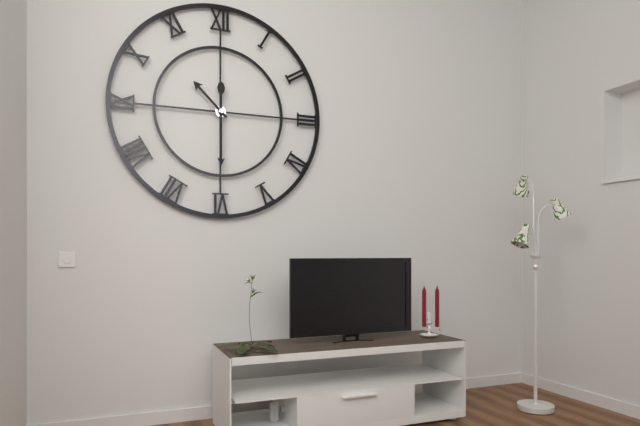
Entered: {"hour": 10, "minute": 30}
